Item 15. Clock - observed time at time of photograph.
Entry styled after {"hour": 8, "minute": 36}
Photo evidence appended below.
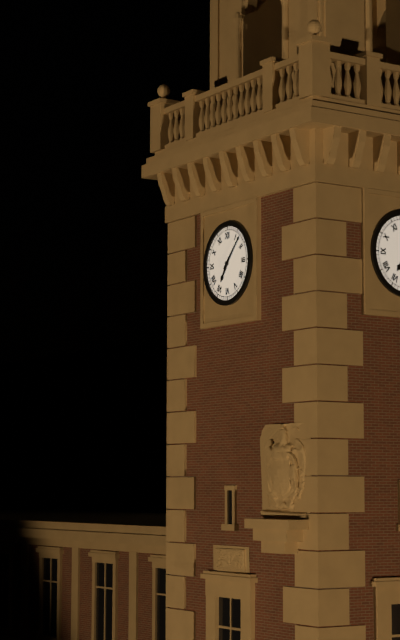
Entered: {"hour": 7, "minute": 7}
